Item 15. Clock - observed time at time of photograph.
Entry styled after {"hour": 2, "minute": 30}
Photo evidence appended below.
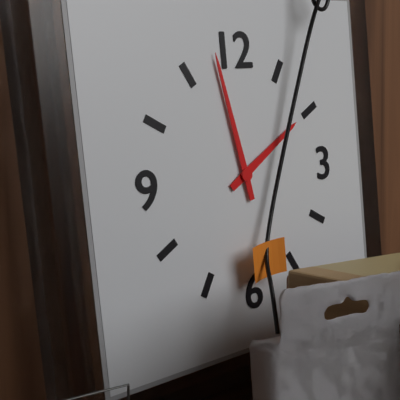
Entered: {"hour": 1, "minute": 58}
